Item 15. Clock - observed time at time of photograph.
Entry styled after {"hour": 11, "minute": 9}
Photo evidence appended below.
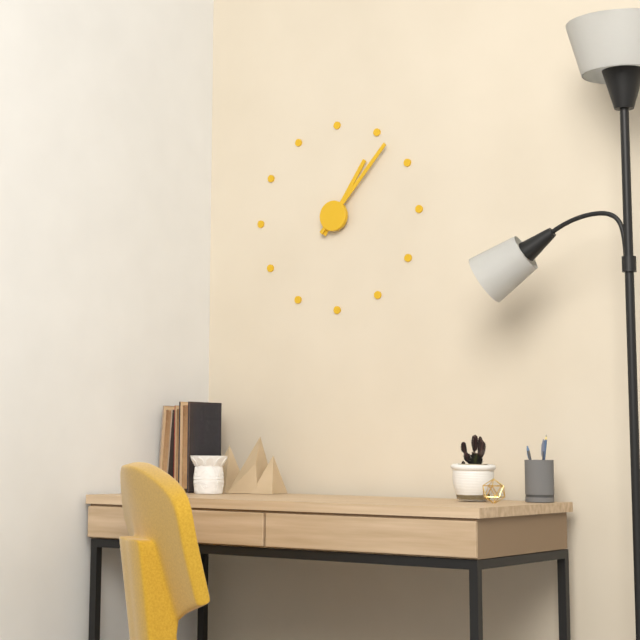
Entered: {"hour": 1, "minute": 7}
